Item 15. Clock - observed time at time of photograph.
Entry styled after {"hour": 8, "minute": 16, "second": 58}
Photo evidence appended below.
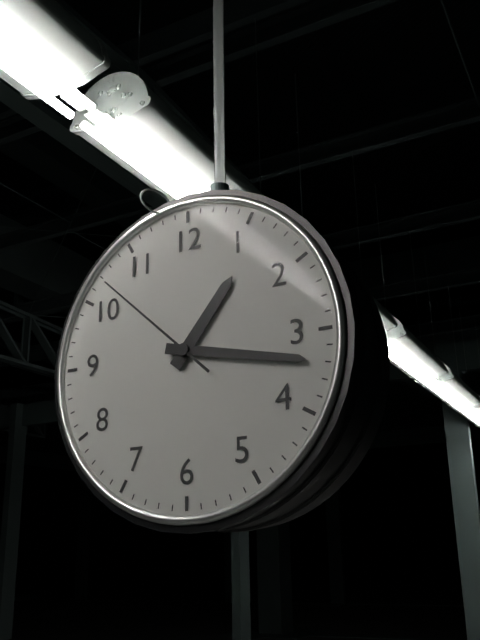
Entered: {"hour": 1, "minute": 17, "second": 52}
